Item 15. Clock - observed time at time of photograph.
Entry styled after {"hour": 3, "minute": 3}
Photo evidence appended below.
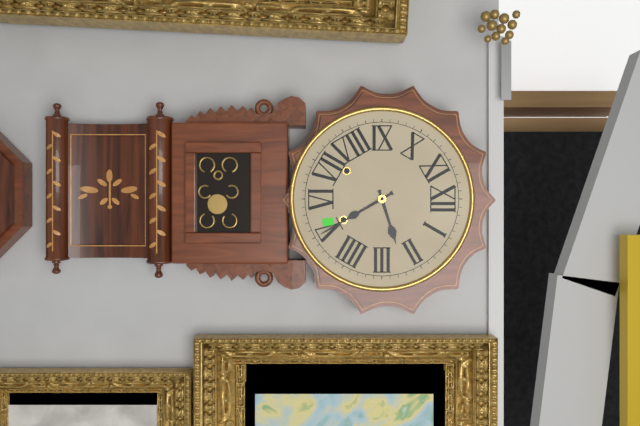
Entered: {"hour": 2, "minute": 25}
